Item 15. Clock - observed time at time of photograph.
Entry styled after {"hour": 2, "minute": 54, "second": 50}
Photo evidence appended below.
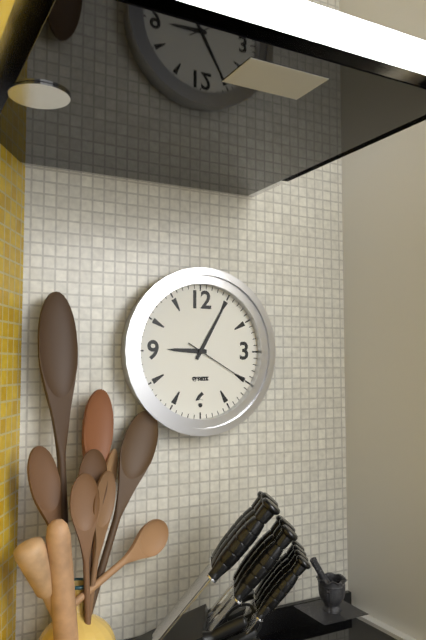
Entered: {"hour": 9, "minute": 5, "second": 20}
